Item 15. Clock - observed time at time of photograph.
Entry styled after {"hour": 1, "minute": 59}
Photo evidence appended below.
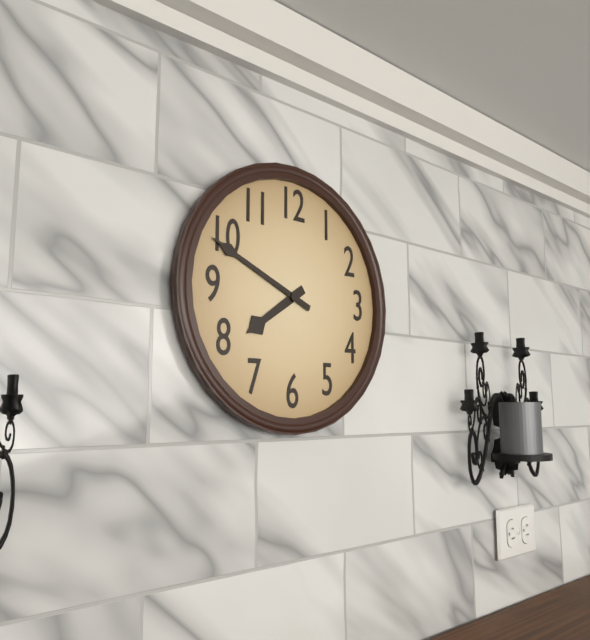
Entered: {"hour": 7, "minute": 49}
